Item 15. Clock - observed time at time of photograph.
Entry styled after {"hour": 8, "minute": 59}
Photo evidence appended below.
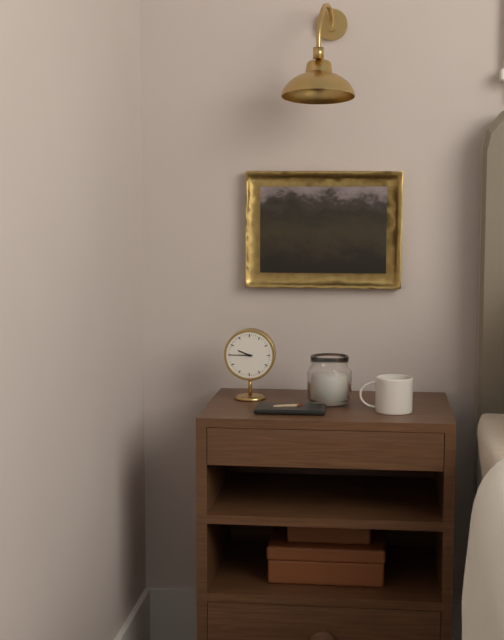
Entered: {"hour": 9, "minute": 45}
